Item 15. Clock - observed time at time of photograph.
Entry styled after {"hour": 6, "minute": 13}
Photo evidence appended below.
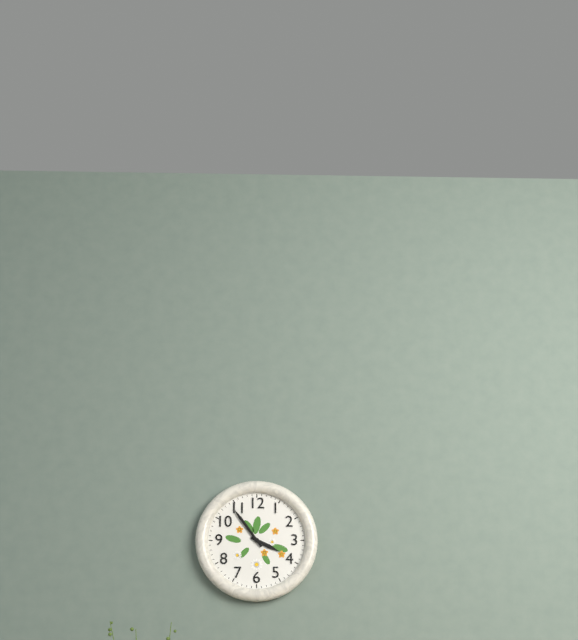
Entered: {"hour": 3, "minute": 54}
